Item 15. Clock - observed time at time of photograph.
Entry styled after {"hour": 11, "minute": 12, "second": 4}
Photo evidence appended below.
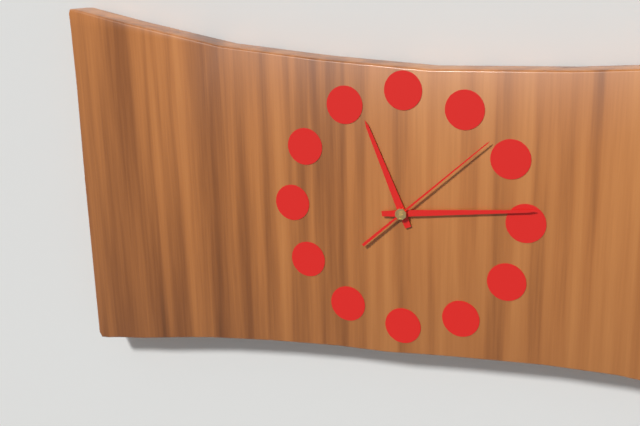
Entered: {"hour": 11, "minute": 14, "second": 8}
